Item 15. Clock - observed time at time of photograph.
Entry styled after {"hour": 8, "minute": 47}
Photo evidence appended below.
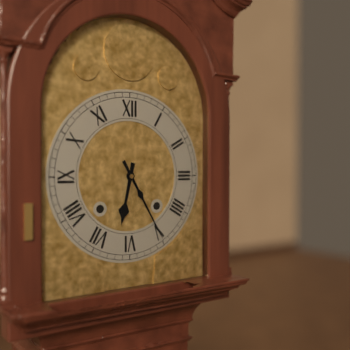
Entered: {"hour": 6, "minute": 25}
